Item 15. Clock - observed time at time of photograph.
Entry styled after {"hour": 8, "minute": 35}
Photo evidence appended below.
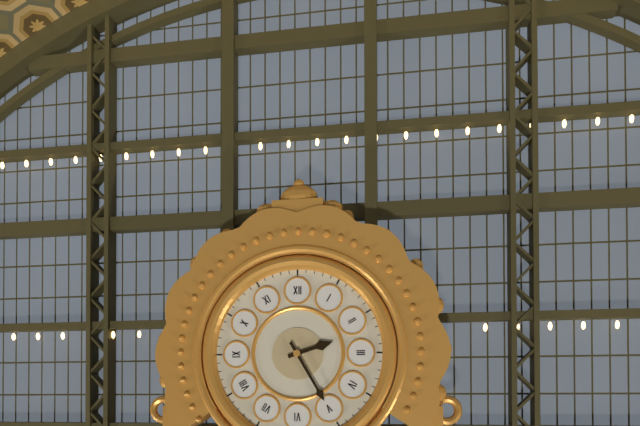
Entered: {"hour": 2, "minute": 25}
